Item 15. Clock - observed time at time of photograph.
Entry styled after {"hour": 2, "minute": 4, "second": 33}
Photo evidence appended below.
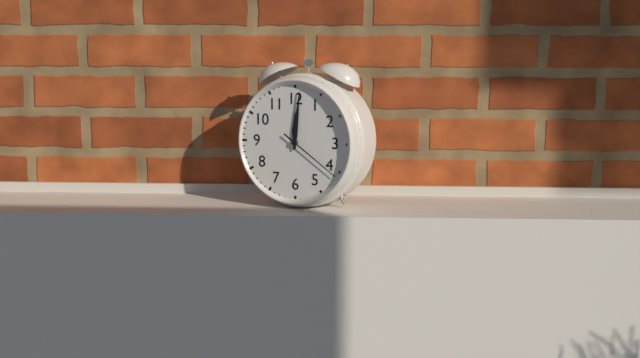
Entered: {"hour": 12, "minute": 1, "second": 21}
